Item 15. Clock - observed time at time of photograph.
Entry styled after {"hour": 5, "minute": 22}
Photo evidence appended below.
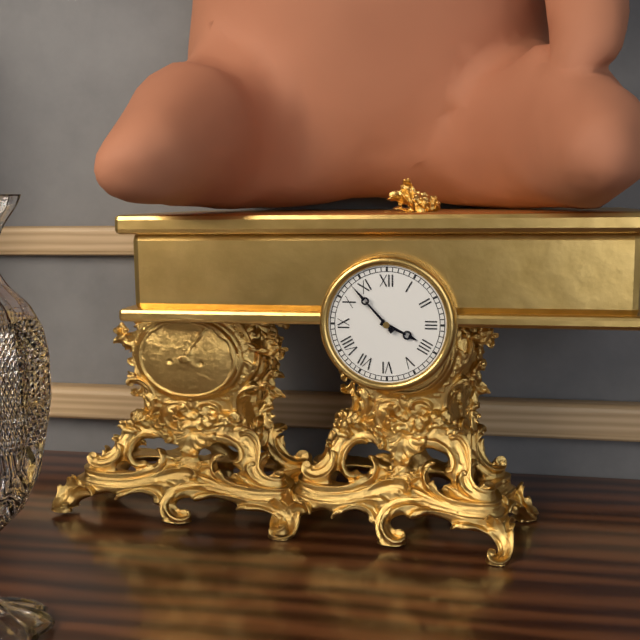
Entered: {"hour": 3, "minute": 53}
